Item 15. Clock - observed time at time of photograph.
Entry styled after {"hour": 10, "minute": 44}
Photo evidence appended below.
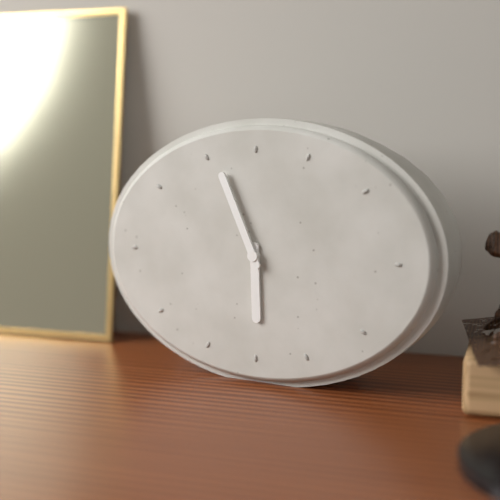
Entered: {"hour": 5, "minute": 56}
